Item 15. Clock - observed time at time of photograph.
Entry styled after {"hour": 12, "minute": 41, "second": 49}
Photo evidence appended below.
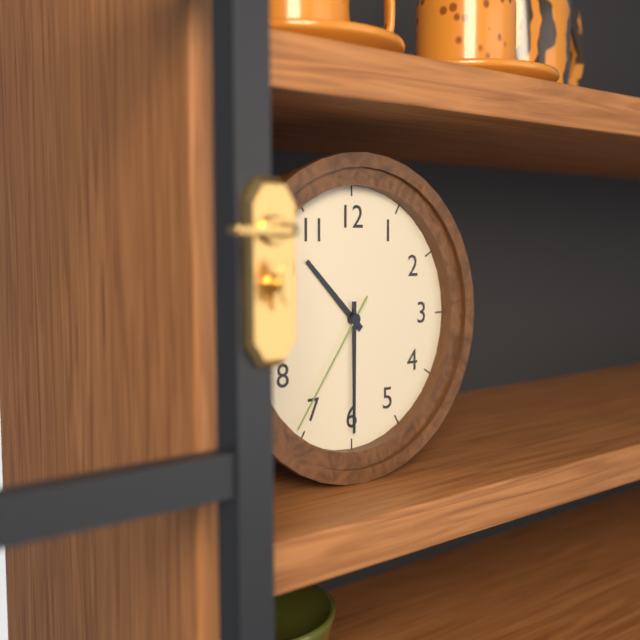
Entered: {"hour": 10, "minute": 30, "second": 36}
